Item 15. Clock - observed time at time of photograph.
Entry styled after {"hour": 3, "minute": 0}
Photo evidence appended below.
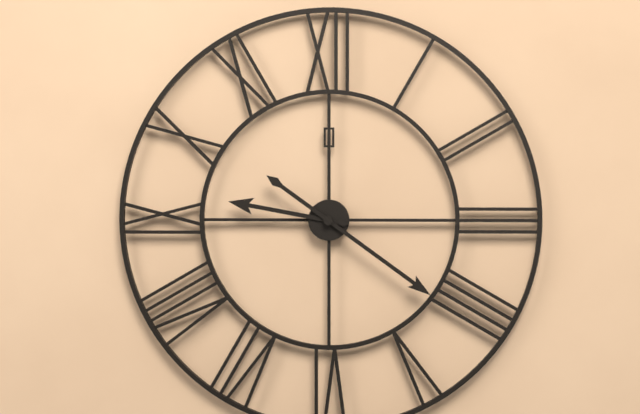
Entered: {"hour": 9, "minute": 21}
